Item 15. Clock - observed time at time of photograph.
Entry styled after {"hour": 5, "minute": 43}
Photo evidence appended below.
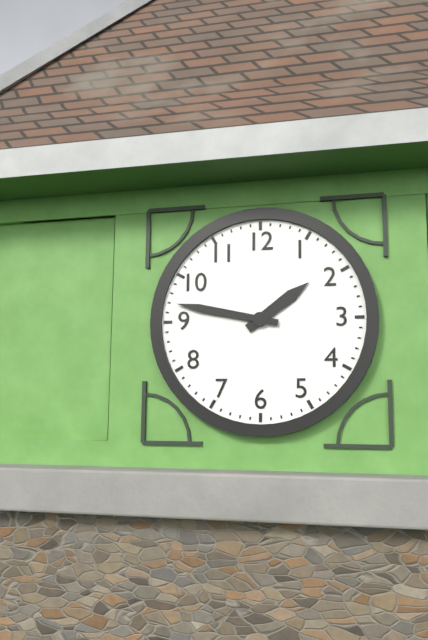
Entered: {"hour": 1, "minute": 47}
